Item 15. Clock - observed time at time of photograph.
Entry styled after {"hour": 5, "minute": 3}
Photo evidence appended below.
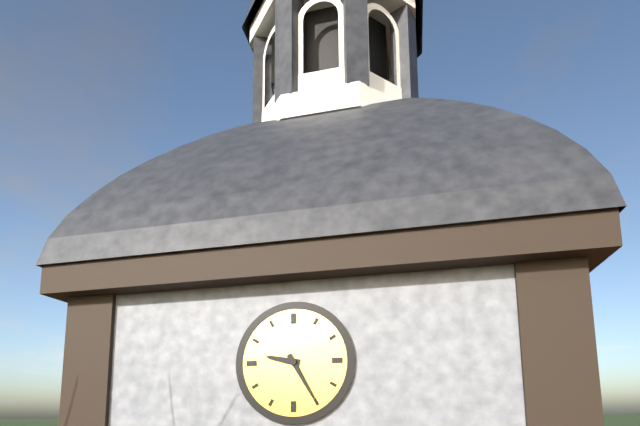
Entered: {"hour": 9, "minute": 25}
